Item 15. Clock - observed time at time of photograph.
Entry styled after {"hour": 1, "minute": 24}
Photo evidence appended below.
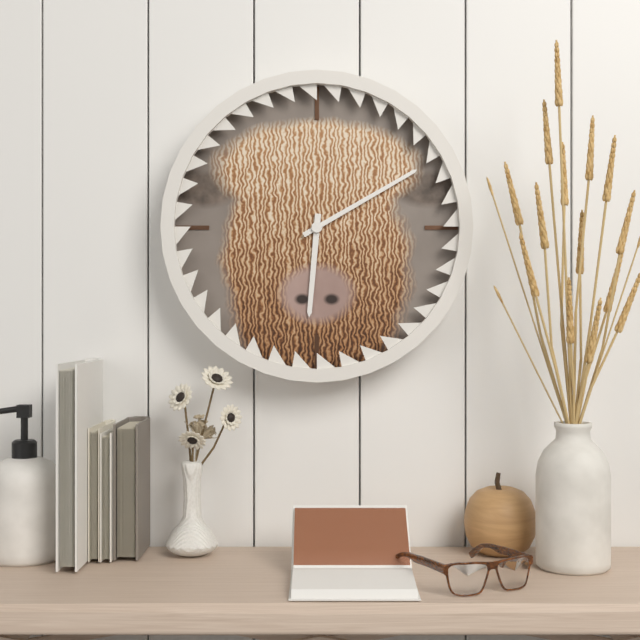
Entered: {"hour": 6, "minute": 10}
